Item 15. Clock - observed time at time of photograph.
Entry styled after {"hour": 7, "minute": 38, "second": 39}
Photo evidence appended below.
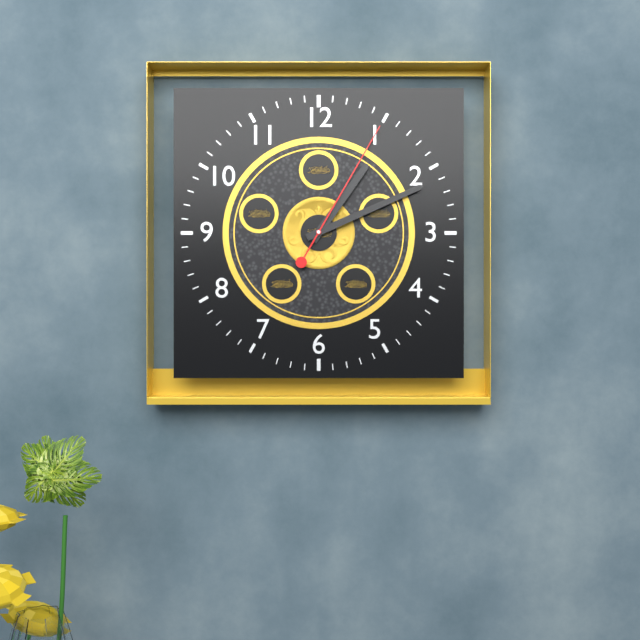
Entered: {"hour": 1, "minute": 11, "second": 5}
